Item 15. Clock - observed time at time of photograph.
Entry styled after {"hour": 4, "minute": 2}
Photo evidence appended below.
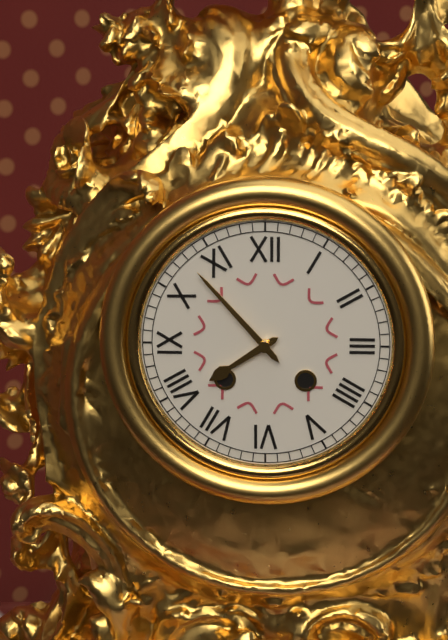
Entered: {"hour": 7, "minute": 53}
